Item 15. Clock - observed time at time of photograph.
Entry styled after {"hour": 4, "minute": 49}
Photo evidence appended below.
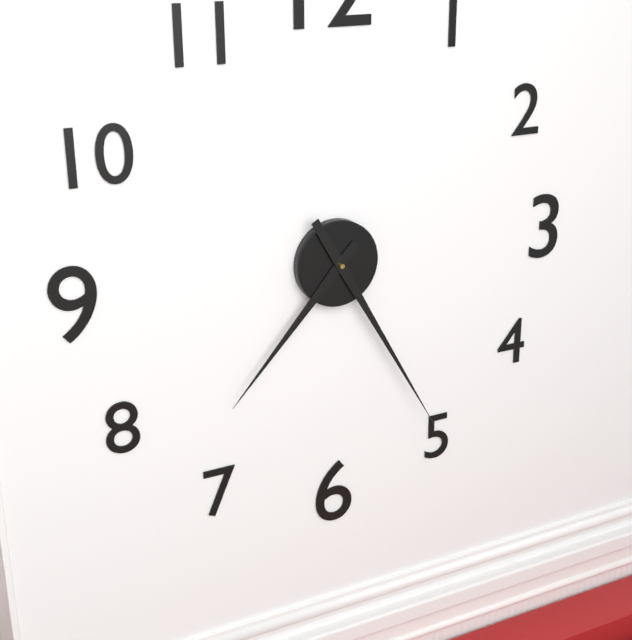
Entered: {"hour": 7, "minute": 25}
